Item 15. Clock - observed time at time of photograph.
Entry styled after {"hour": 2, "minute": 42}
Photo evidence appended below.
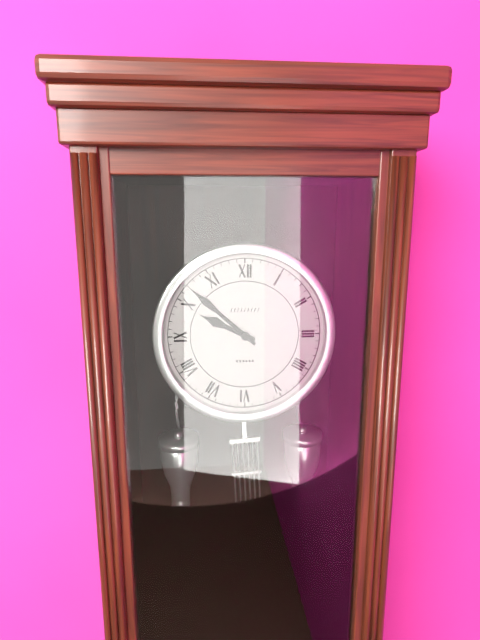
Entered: {"hour": 9, "minute": 52}
